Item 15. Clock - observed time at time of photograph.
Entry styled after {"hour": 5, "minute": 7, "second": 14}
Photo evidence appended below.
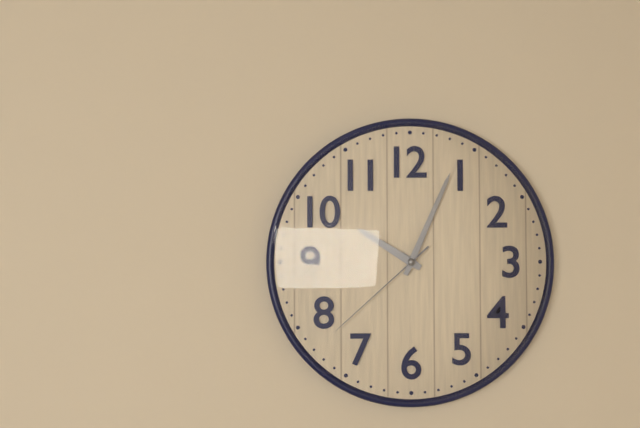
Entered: {"hour": 10, "minute": 4, "second": 38}
